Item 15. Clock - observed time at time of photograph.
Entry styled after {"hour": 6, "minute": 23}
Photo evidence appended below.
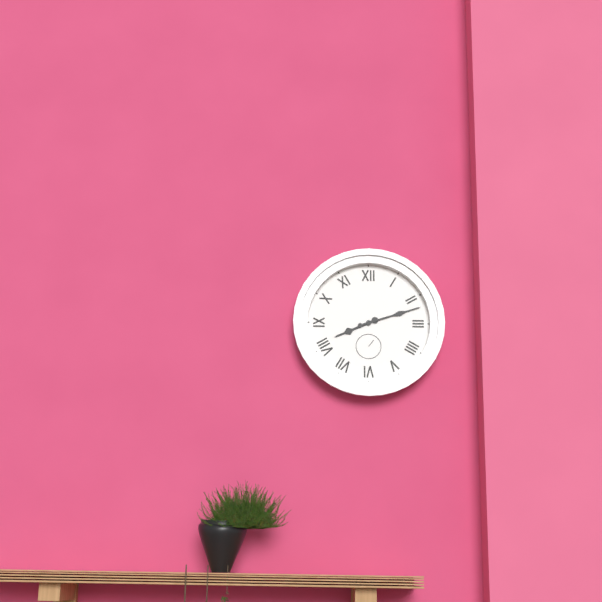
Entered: {"hour": 8, "minute": 12}
